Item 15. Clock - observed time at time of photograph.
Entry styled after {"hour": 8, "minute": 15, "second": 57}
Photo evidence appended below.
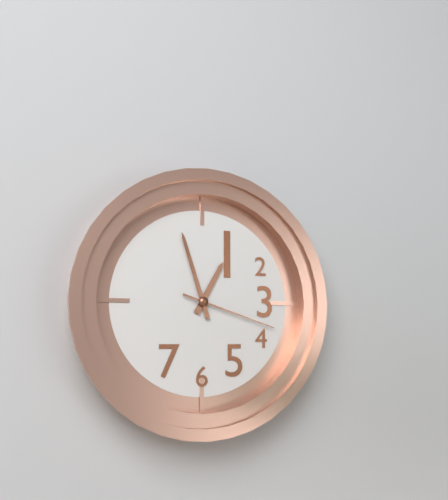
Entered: {"hour": 12, "minute": 57, "second": 18}
